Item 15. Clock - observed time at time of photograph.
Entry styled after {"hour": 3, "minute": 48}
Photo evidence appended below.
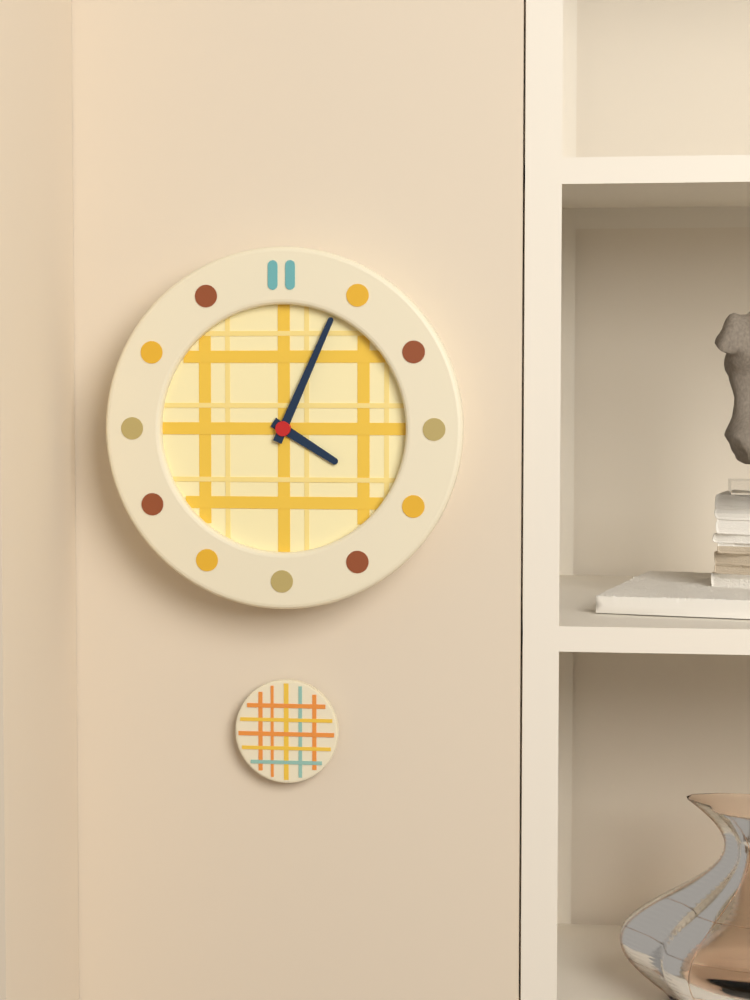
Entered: {"hour": 4, "minute": 4}
